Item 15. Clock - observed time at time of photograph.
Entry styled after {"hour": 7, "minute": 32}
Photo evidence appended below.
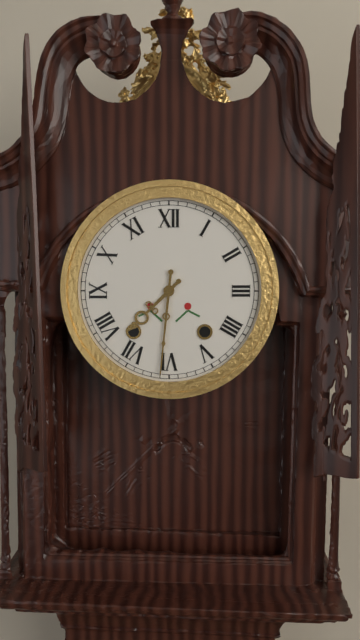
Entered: {"hour": 7, "minute": 31}
